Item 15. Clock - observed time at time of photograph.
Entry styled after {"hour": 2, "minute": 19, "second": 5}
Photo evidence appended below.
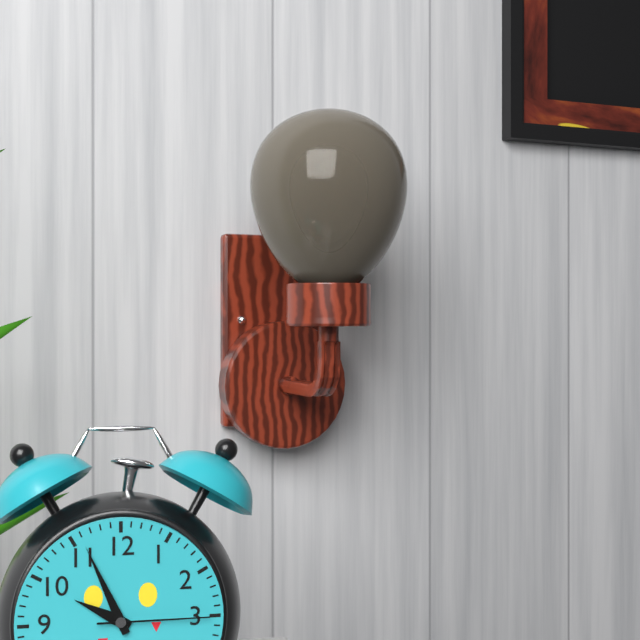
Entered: {"hour": 9, "minute": 56, "second": 15}
